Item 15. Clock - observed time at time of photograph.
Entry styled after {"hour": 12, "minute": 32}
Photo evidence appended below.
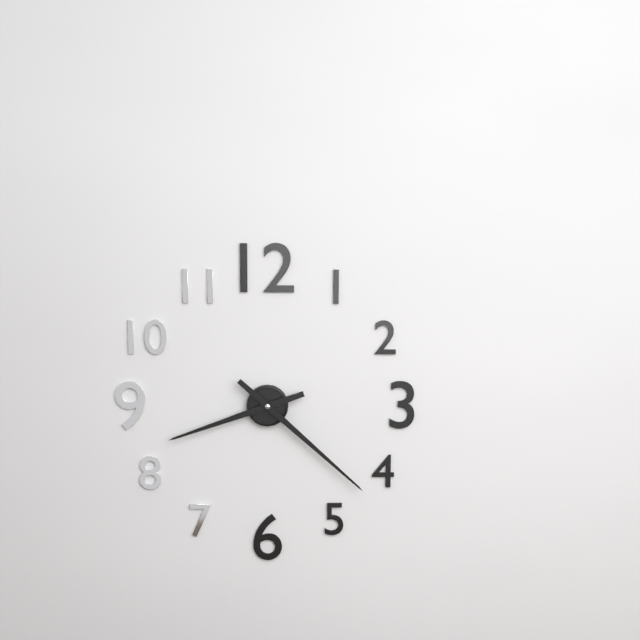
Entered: {"hour": 8, "minute": 22}
